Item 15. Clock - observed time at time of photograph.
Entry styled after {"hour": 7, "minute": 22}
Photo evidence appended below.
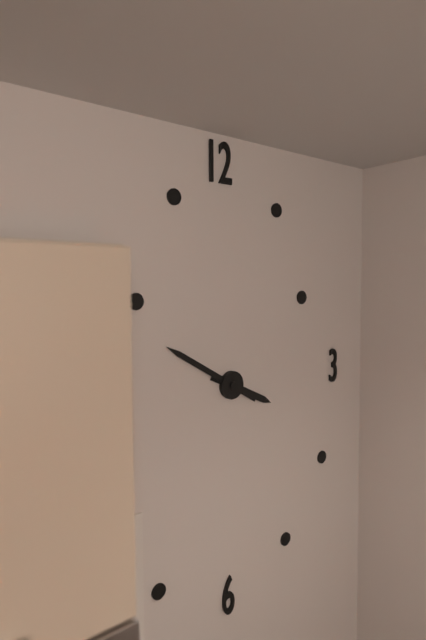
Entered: {"hour": 3, "minute": 50}
